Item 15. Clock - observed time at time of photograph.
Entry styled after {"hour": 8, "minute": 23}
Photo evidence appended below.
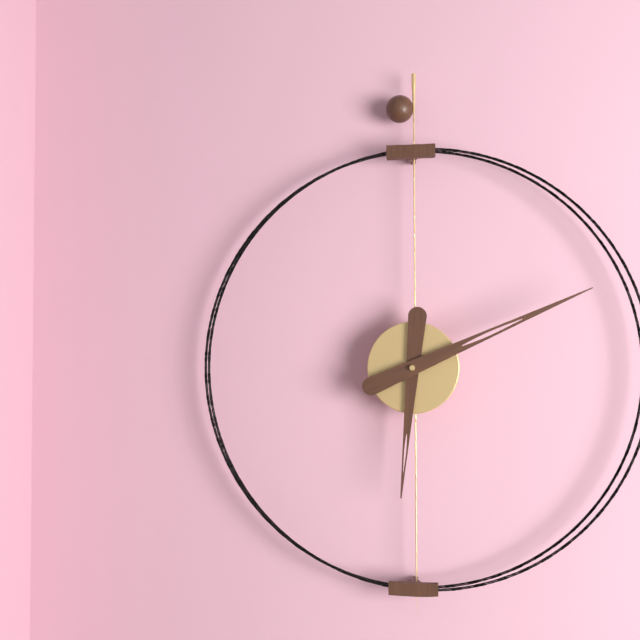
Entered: {"hour": 6, "minute": 11}
